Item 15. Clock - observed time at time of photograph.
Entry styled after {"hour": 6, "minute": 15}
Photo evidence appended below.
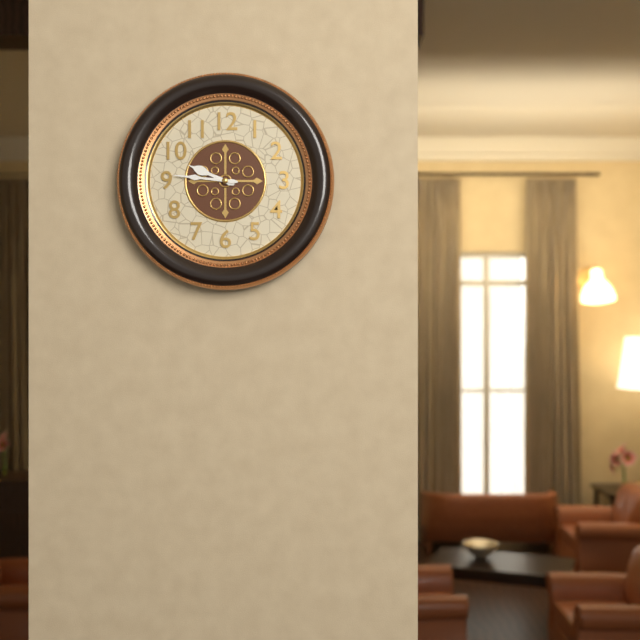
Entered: {"hour": 9, "minute": 46}
